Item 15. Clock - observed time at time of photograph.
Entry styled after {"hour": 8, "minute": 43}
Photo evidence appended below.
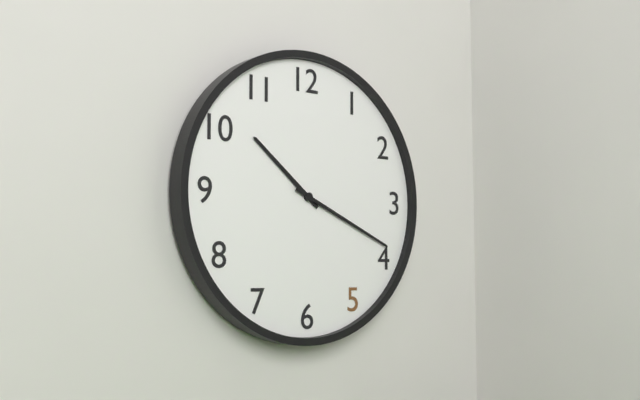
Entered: {"hour": 10, "minute": 19}
